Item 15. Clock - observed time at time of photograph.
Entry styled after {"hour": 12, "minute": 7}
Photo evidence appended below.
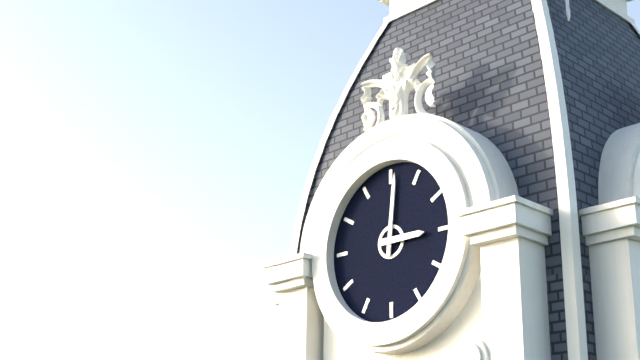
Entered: {"hour": 3, "minute": 1}
